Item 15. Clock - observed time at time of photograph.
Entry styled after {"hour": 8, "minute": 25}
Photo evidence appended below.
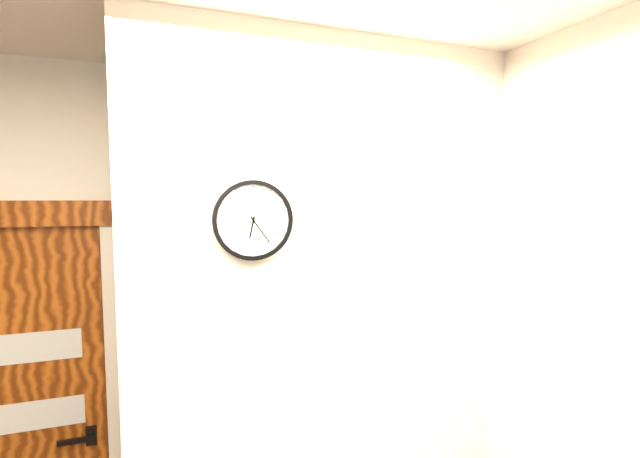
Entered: {"hour": 6, "minute": 24}
